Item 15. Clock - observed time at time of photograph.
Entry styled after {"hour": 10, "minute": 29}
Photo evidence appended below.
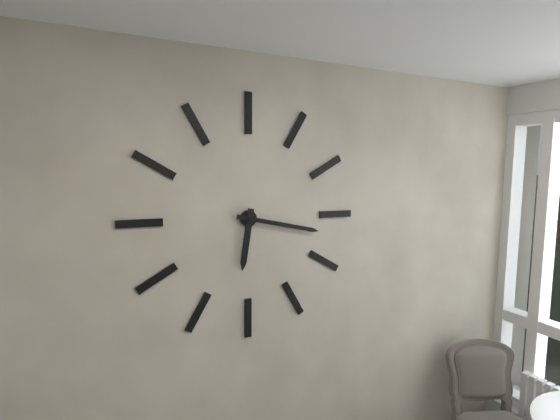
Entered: {"hour": 6, "minute": 17}
